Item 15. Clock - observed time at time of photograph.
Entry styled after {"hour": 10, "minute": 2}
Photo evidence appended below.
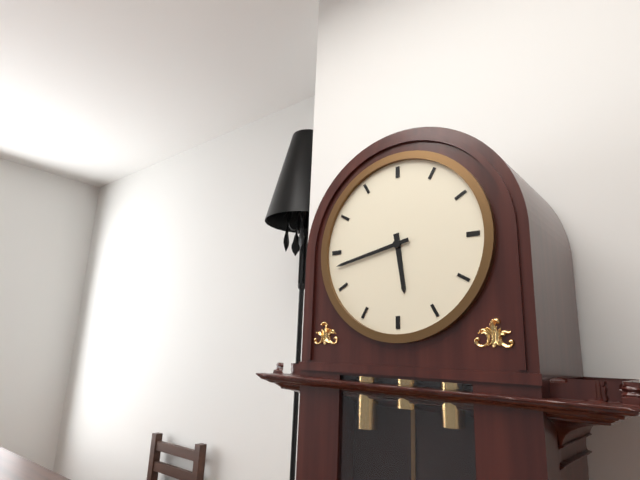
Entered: {"hour": 5, "minute": 43}
